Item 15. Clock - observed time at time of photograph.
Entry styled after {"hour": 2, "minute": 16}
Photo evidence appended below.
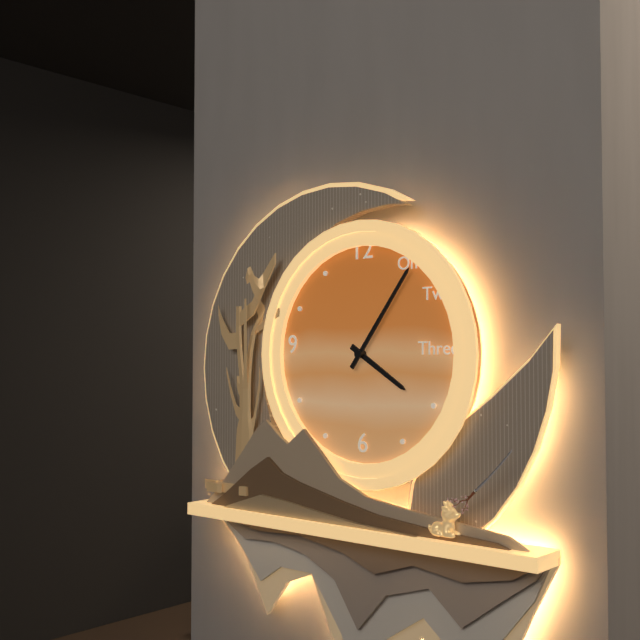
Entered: {"hour": 4, "minute": 6}
